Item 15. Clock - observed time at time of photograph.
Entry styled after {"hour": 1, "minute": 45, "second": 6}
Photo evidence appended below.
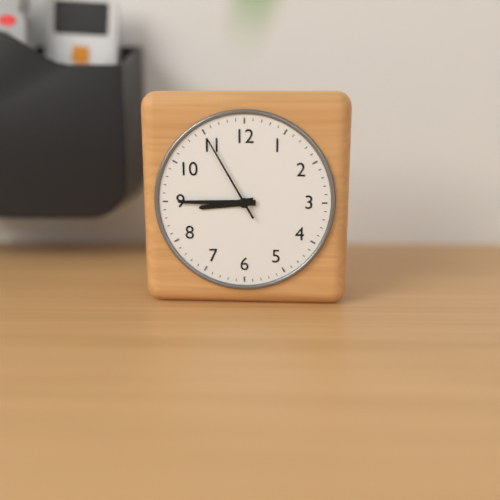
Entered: {"hour": 8, "minute": 45, "second": 55}
